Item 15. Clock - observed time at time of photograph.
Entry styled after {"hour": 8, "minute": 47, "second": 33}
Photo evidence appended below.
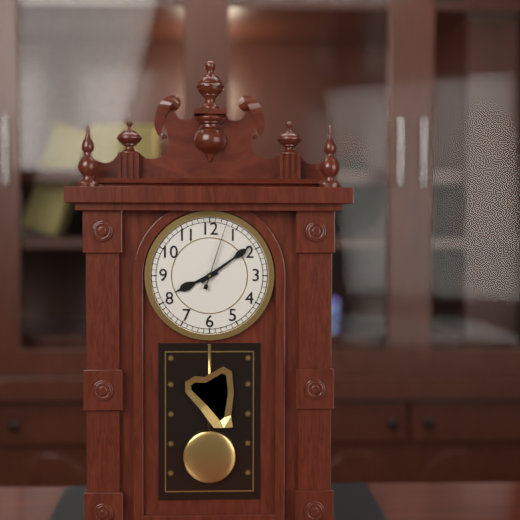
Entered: {"hour": 8, "minute": 9, "second": 3}
